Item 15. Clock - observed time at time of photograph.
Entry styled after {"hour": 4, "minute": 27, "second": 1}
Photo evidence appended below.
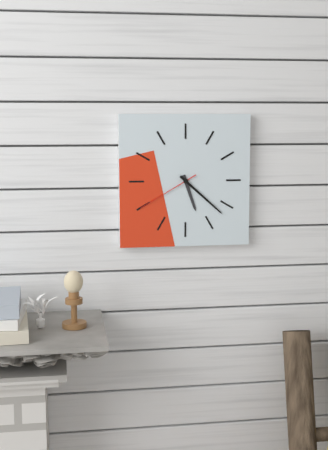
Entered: {"hour": 5, "minute": 22, "second": 40}
